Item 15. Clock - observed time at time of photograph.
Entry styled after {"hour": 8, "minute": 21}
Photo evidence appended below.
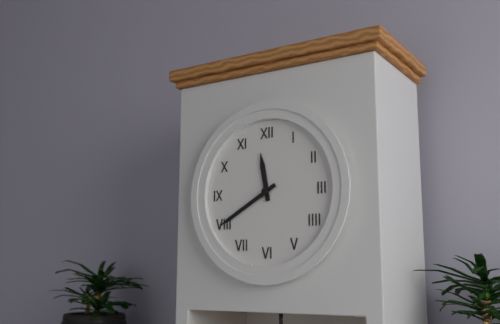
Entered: {"hour": 11, "minute": 40}
